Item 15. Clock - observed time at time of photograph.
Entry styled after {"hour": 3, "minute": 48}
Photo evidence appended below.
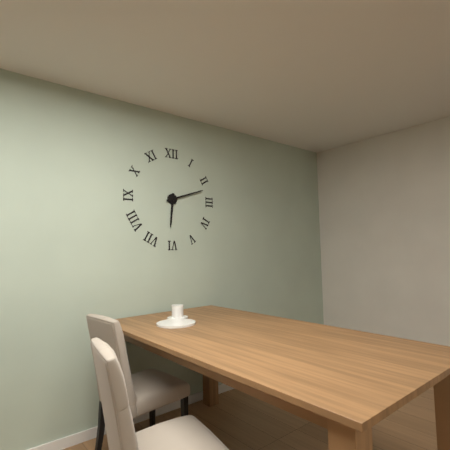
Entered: {"hour": 6, "minute": 12}
